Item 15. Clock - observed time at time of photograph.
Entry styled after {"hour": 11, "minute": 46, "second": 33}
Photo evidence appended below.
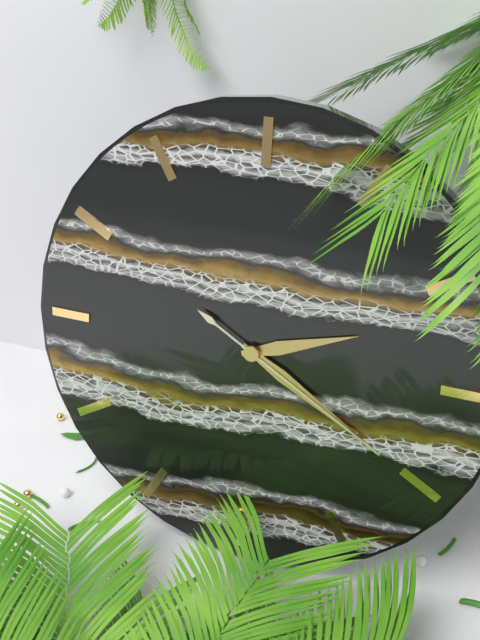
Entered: {"hour": 2, "minute": 20, "second": 20}
